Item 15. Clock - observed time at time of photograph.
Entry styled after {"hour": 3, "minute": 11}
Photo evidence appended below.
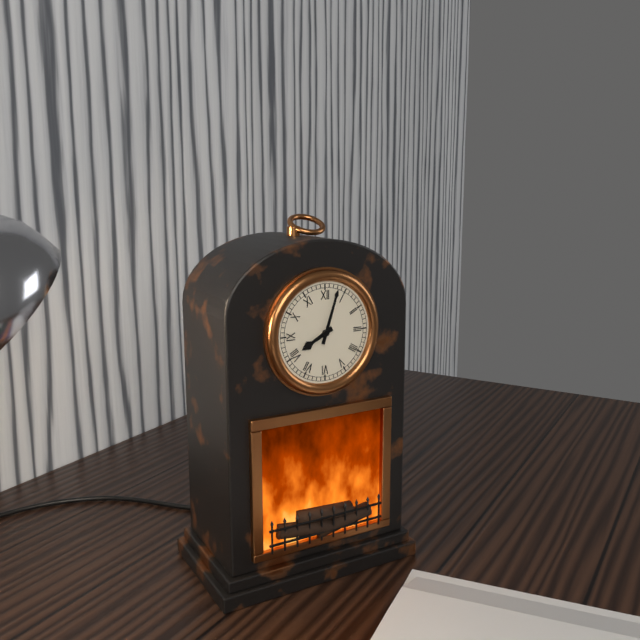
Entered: {"hour": 8, "minute": 3}
